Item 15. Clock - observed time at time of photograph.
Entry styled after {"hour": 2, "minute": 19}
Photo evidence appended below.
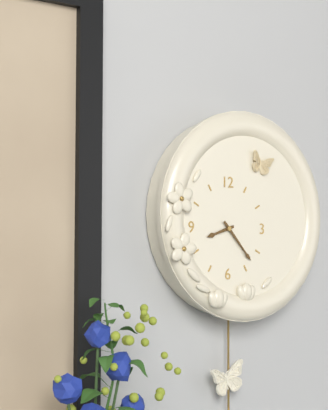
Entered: {"hour": 8, "minute": 23}
